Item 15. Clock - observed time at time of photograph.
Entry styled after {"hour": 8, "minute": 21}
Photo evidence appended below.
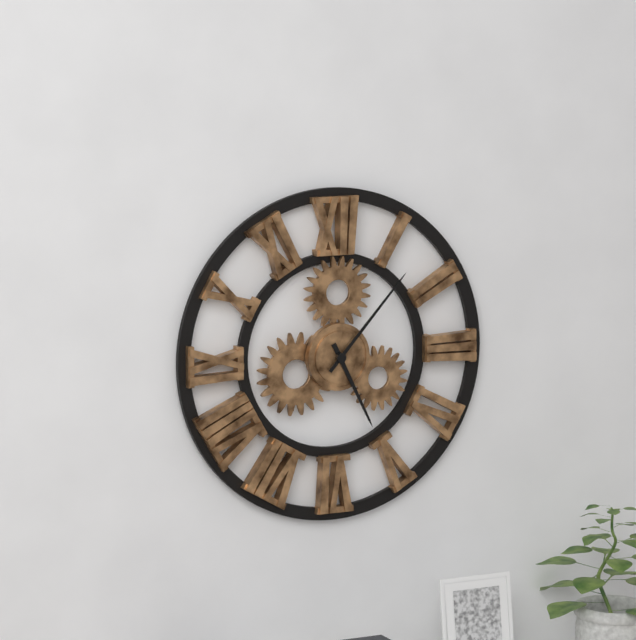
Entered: {"hour": 5, "minute": 7}
